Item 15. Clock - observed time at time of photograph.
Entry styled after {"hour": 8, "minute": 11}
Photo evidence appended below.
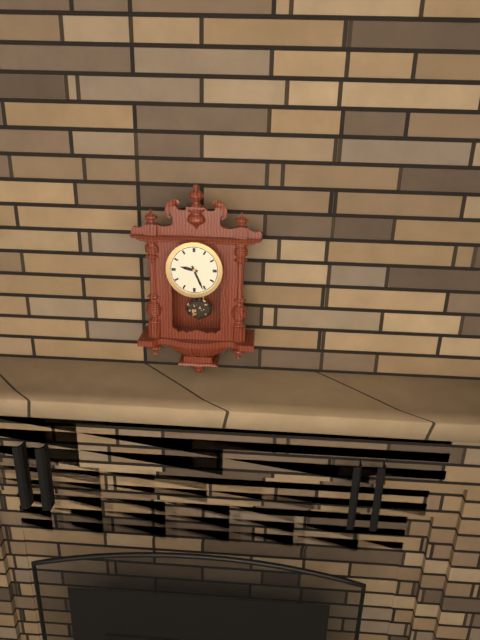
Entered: {"hour": 9, "minute": 26}
